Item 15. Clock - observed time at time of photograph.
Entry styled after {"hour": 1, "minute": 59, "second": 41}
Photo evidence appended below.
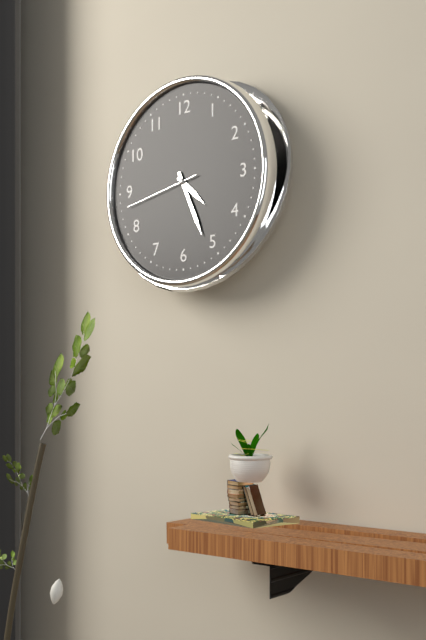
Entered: {"hour": 4, "minute": 26, "second": 43}
